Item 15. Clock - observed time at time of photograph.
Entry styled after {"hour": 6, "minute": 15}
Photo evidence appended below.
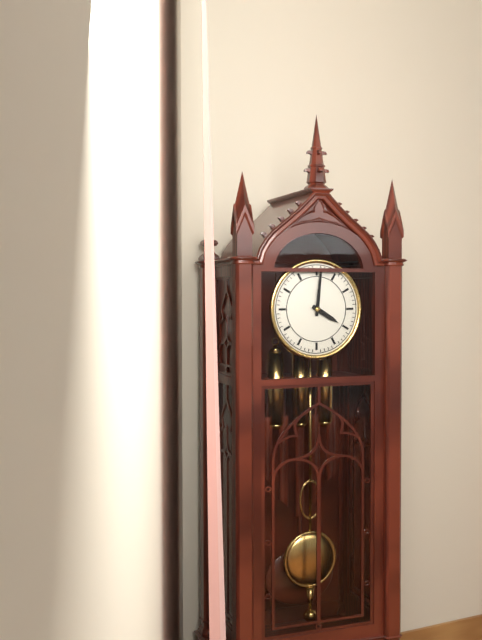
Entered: {"hour": 4, "minute": 1}
